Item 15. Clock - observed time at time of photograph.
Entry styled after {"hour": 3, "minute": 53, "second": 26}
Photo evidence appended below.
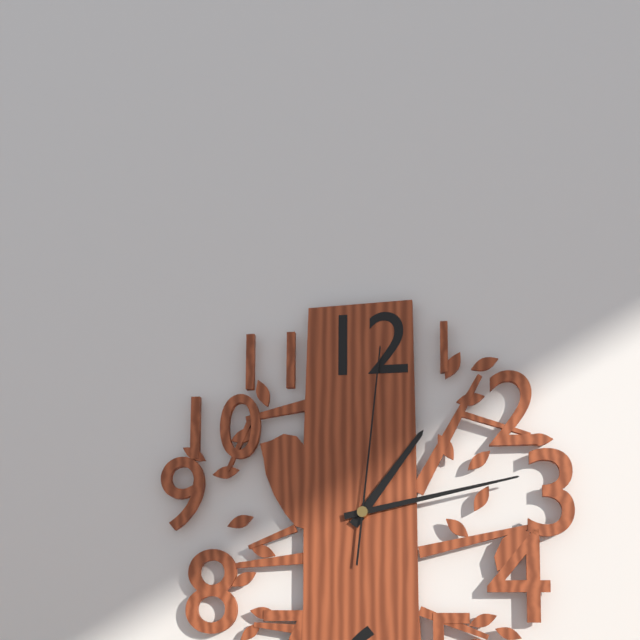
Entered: {"hour": 1, "minute": 13, "second": 1}
